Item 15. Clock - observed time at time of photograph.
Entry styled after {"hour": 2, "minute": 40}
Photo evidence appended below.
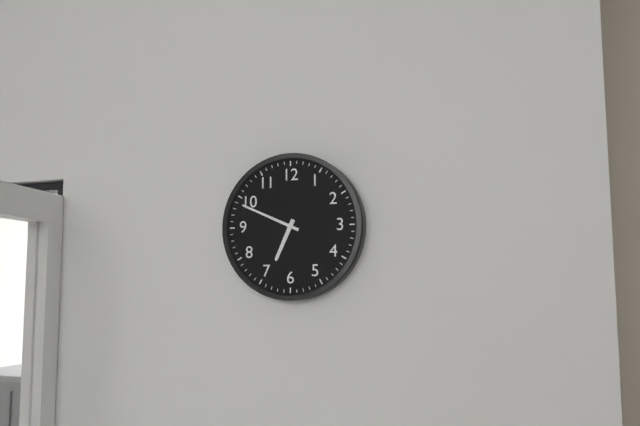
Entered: {"hour": 6, "minute": 49}
